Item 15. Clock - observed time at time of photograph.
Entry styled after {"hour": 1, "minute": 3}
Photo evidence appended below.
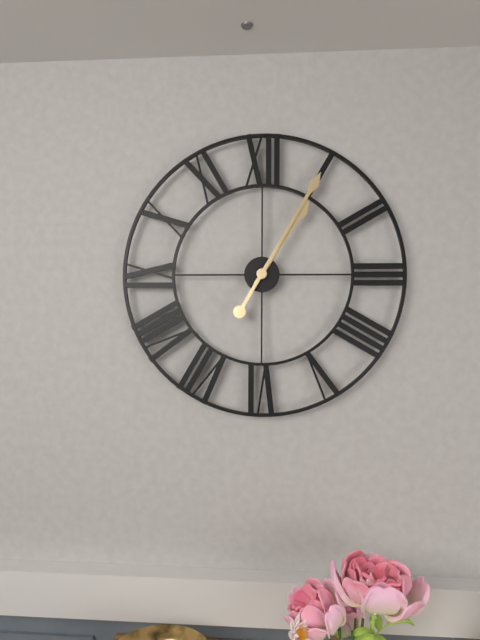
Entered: {"hour": 1, "minute": 5}
